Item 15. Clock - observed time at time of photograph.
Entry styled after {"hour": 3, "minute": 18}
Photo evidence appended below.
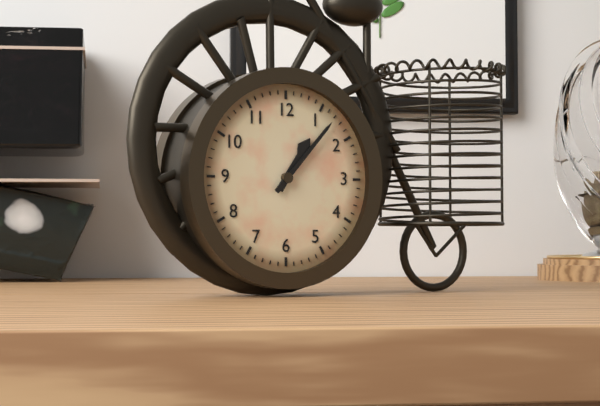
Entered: {"hour": 1, "minute": 7}
